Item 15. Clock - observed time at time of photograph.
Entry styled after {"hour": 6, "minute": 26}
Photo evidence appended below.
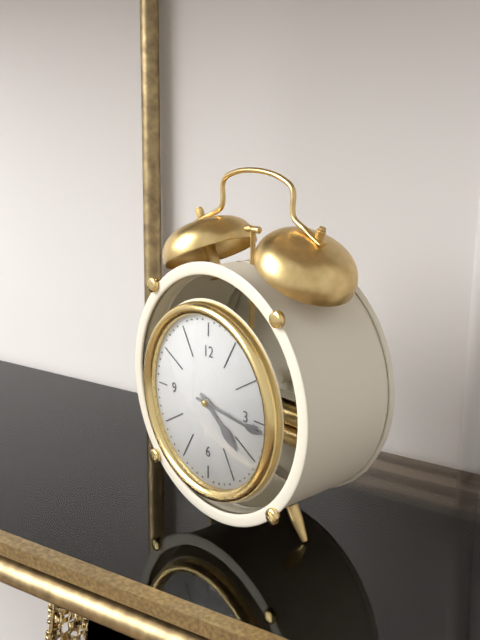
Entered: {"hour": 4, "minute": 16}
